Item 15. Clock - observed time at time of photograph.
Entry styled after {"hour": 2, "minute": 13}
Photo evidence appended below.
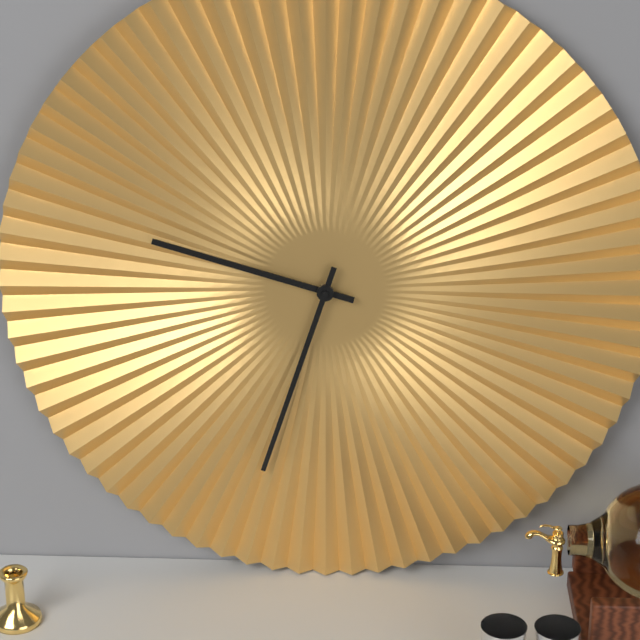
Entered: {"hour": 9, "minute": 33}
